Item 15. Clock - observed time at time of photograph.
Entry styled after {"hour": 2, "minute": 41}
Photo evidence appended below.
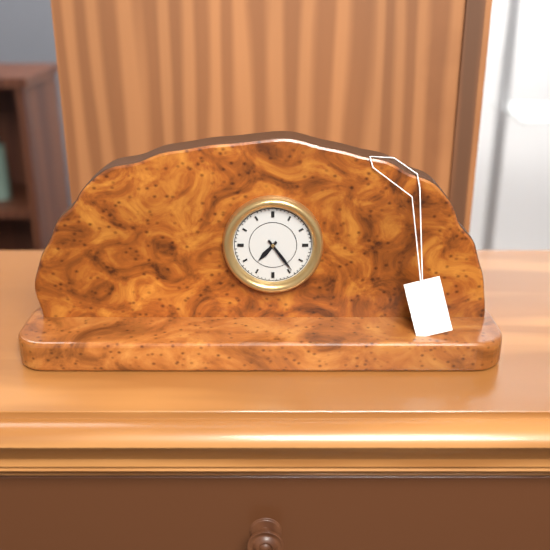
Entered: {"hour": 7, "minute": 24}
